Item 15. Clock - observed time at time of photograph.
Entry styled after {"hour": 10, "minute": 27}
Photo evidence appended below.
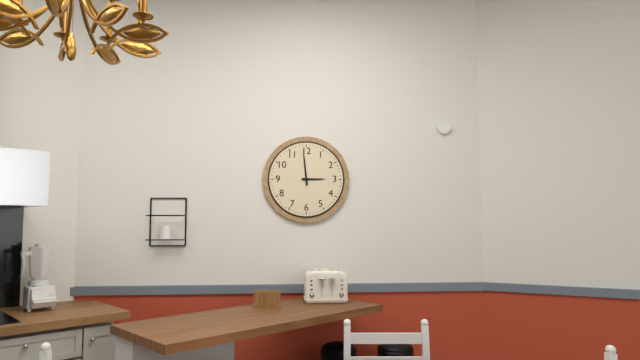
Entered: {"hour": 2, "minute": 59}
